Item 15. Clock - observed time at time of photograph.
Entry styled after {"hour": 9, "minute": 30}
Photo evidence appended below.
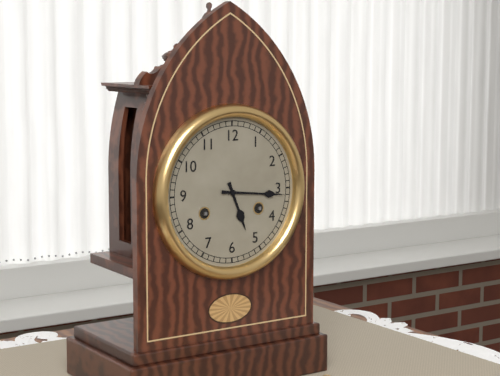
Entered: {"hour": 5, "minute": 16}
